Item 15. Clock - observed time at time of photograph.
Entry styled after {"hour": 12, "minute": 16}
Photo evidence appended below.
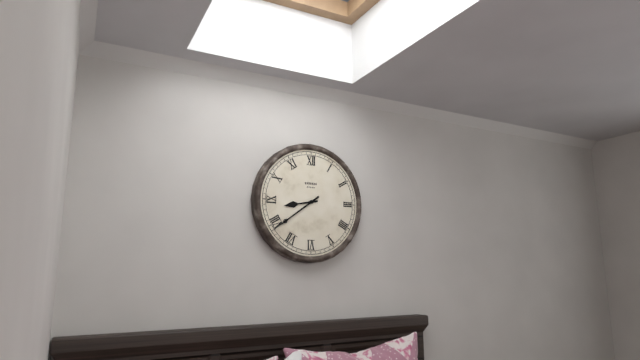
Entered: {"hour": 8, "minute": 39}
